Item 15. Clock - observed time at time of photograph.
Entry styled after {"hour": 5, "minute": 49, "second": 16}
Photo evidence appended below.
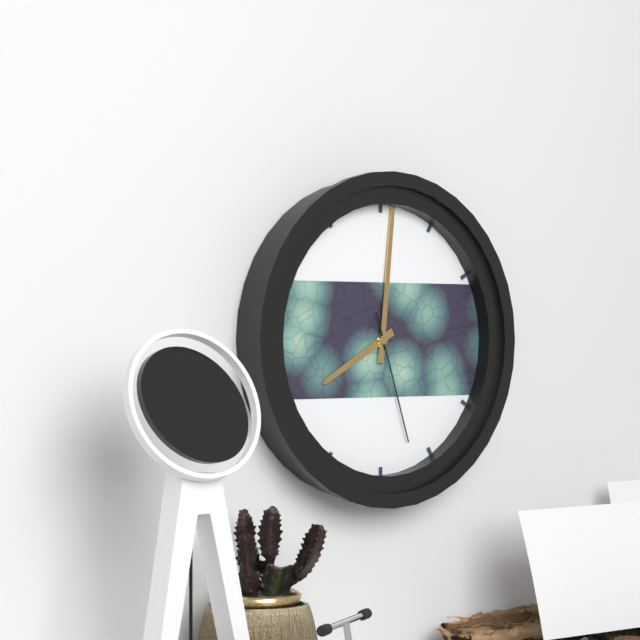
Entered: {"hour": 8, "minute": 1, "second": 27}
